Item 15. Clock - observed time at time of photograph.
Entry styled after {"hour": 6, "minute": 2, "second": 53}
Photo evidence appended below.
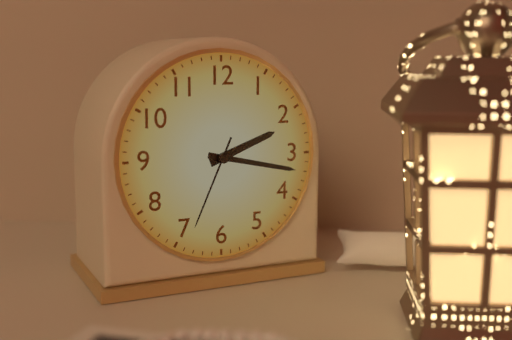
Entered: {"hour": 2, "minute": 17, "second": 34}
